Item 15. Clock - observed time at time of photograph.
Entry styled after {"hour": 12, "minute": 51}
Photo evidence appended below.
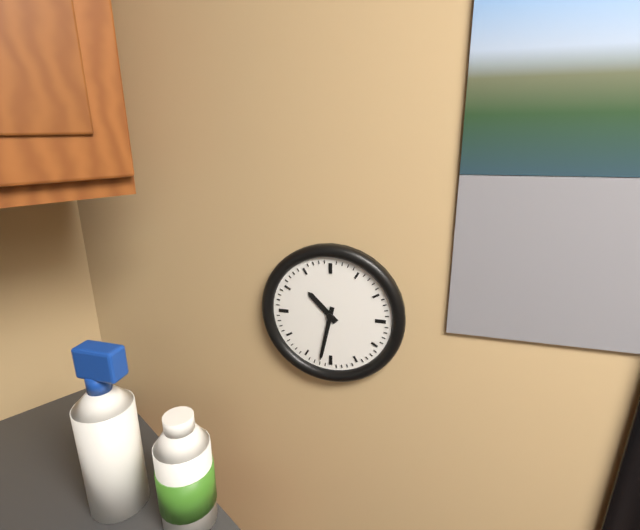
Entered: {"hour": 10, "minute": 32}
